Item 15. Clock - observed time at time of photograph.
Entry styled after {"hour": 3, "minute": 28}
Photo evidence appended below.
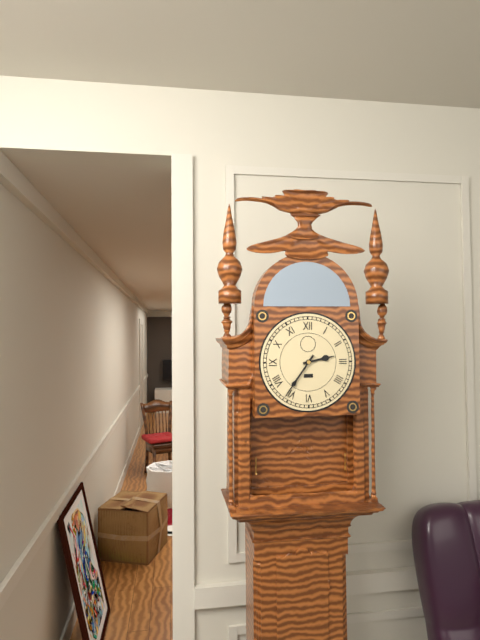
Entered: {"hour": 2, "minute": 36}
